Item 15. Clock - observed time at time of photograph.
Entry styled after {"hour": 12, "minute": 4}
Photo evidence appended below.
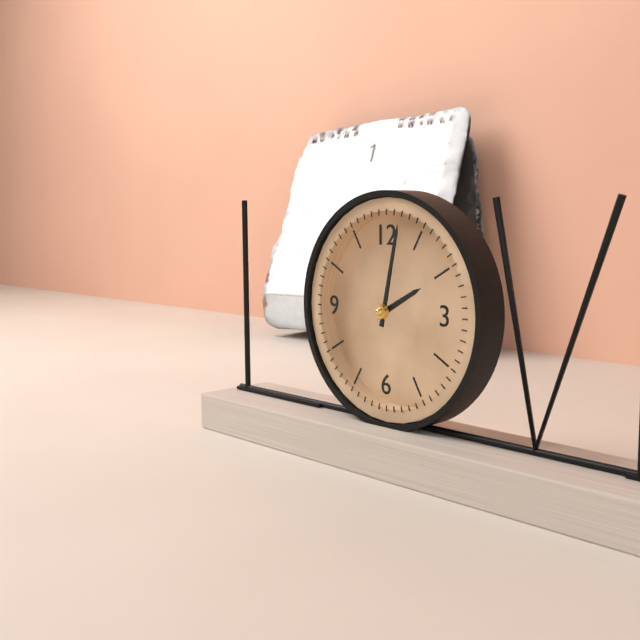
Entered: {"hour": 2, "minute": 2}
